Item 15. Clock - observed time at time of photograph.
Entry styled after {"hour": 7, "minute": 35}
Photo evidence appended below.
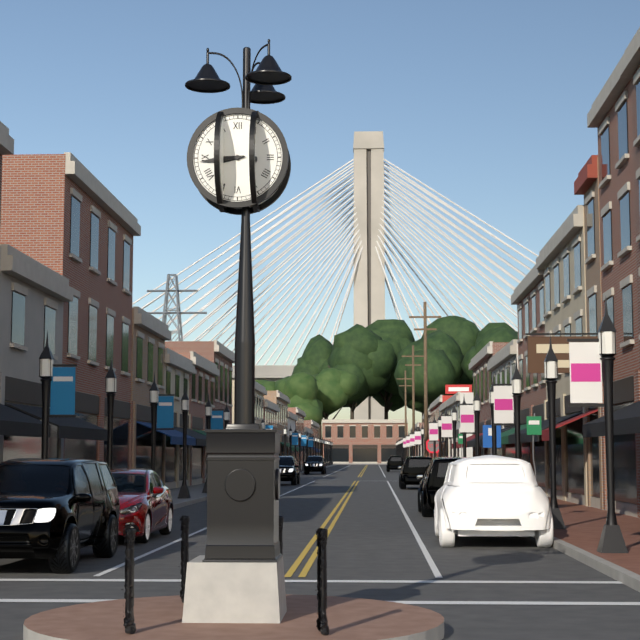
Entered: {"hour": 8, "minute": 44}
